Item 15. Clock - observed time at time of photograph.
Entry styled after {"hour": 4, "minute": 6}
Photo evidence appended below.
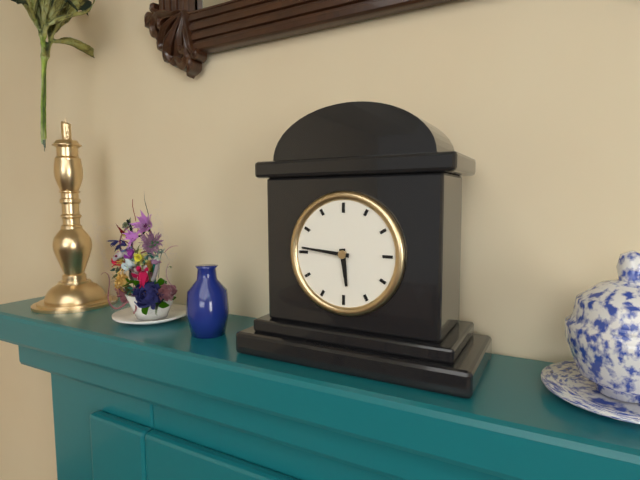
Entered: {"hour": 5, "minute": 46}
